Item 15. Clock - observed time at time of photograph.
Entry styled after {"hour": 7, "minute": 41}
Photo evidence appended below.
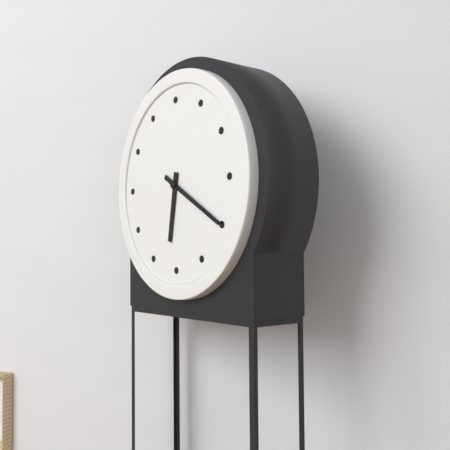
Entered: {"hour": 6, "minute": 20}
